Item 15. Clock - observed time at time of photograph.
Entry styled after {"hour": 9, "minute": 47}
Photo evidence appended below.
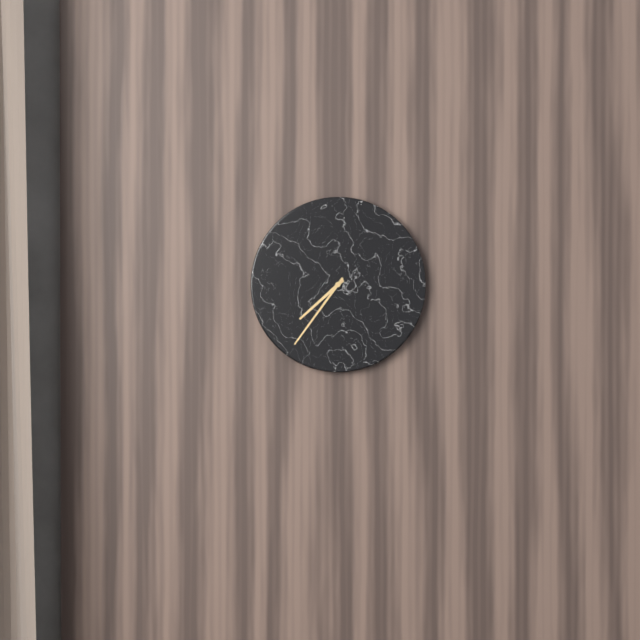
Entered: {"hour": 7, "minute": 36}
